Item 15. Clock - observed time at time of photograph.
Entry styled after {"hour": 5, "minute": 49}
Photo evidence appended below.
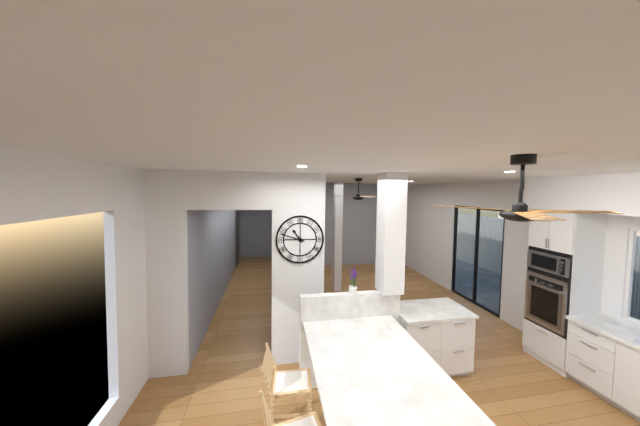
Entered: {"hour": 10, "minute": 48}
